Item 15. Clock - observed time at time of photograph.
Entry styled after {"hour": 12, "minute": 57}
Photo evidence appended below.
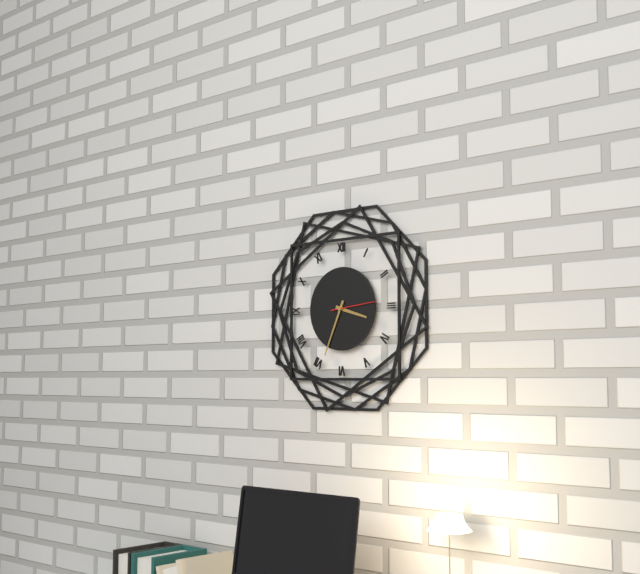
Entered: {"hour": 3, "minute": 34}
